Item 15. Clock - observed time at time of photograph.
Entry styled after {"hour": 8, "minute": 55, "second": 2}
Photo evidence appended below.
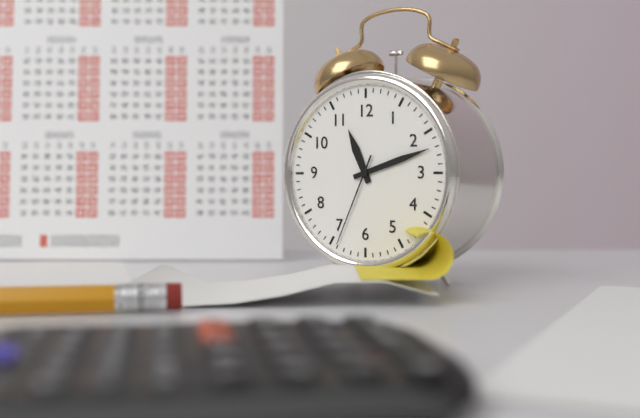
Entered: {"hour": 11, "minute": 12, "second": 34}
